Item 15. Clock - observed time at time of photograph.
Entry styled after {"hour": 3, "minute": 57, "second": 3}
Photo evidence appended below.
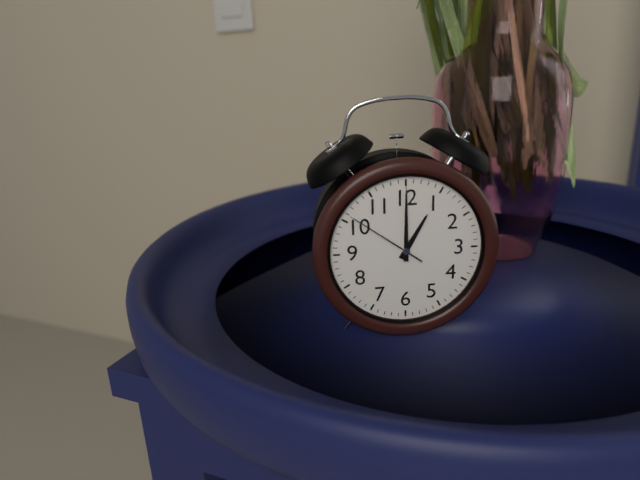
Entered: {"hour": 1, "minute": 0, "second": 51}
